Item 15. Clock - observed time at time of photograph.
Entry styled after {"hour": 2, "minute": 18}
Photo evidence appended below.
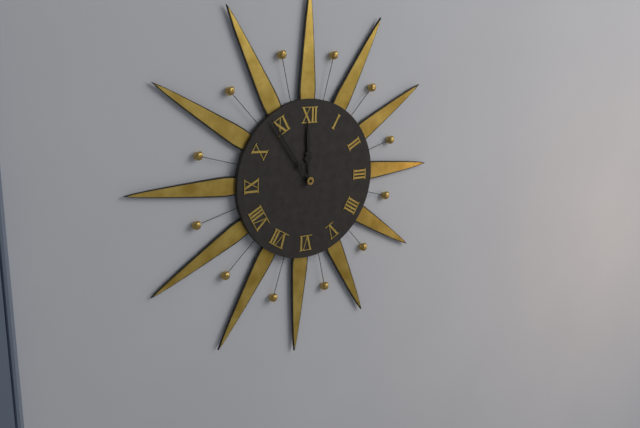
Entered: {"hour": 11, "minute": 54}
